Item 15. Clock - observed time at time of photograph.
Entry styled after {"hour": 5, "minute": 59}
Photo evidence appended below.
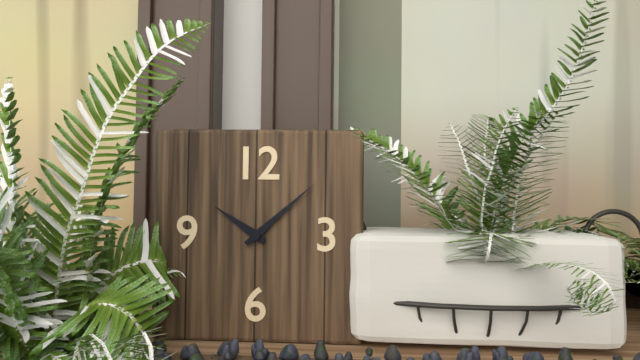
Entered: {"hour": 10, "minute": 8}
